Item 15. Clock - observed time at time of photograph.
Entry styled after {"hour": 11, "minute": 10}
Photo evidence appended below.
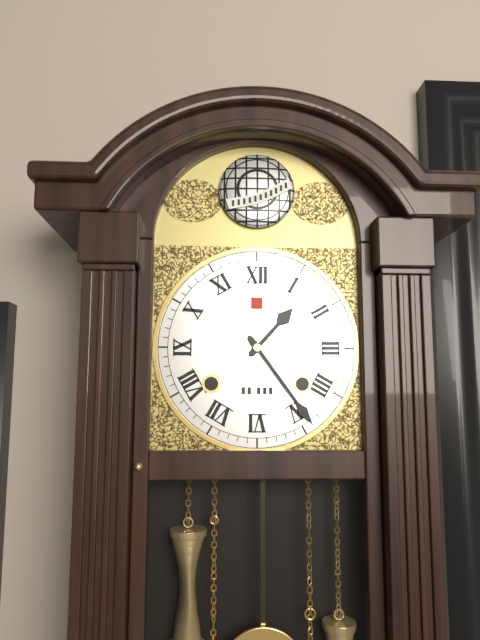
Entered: {"hour": 1, "minute": 24}
